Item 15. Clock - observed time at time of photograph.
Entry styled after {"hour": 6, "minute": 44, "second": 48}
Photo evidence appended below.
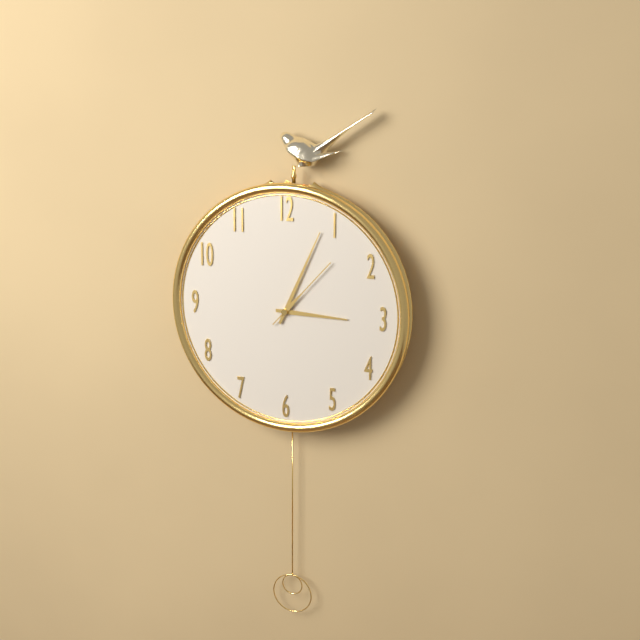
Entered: {"hour": 3, "minute": 4, "second": 7}
